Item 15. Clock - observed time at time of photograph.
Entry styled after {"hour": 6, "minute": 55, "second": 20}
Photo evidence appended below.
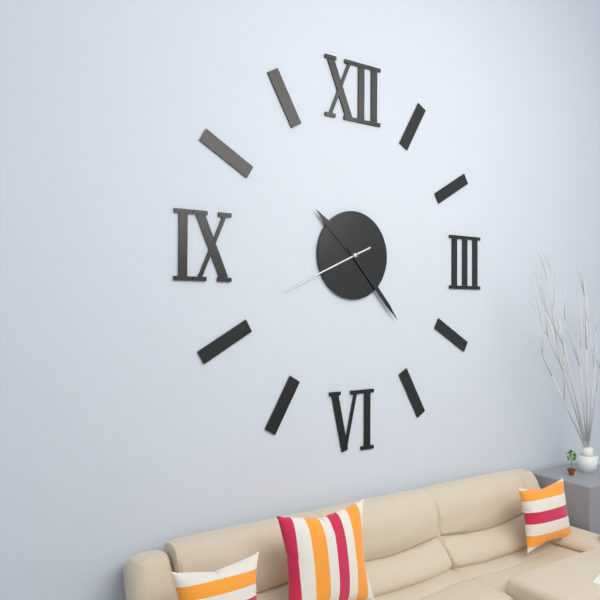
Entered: {"hour": 10, "minute": 23, "second": 41}
